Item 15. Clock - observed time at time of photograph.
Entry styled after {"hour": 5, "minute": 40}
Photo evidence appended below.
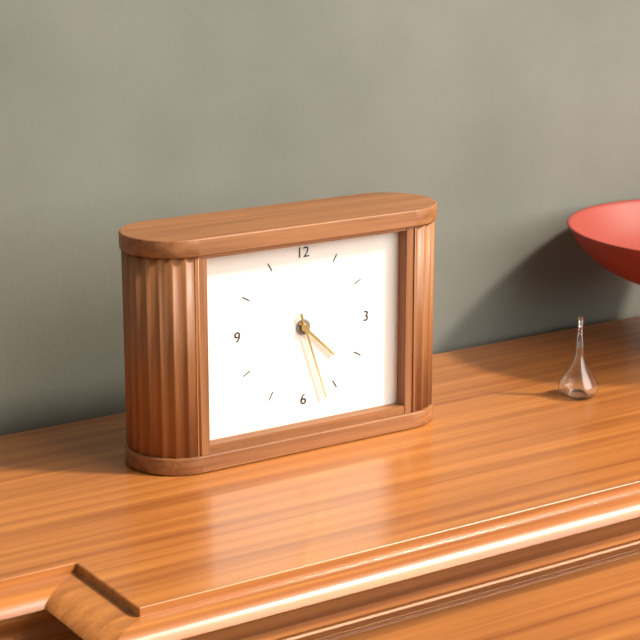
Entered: {"hour": 4, "minute": 27}
